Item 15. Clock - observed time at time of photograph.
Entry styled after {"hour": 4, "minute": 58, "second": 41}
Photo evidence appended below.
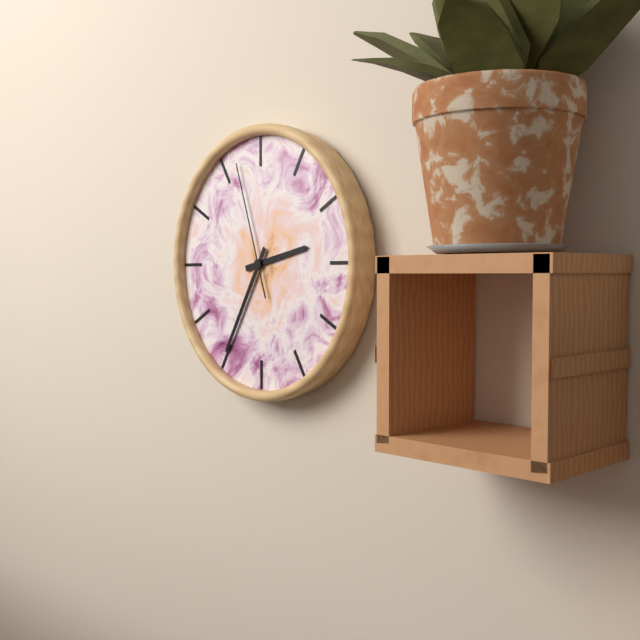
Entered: {"hour": 2, "minute": 35, "second": 57}
